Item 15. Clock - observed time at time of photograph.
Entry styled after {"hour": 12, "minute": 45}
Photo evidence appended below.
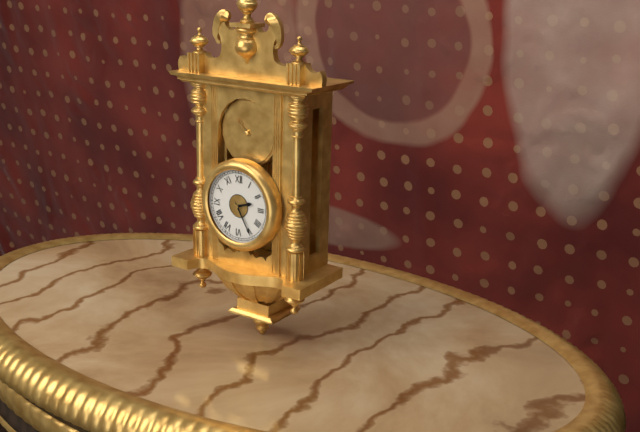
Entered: {"hour": 2, "minute": 25}
